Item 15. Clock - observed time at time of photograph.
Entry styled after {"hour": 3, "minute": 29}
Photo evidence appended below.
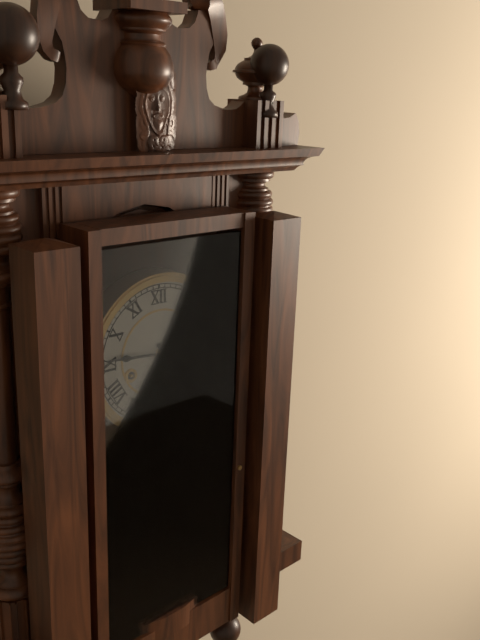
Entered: {"hour": 5, "minute": 46}
